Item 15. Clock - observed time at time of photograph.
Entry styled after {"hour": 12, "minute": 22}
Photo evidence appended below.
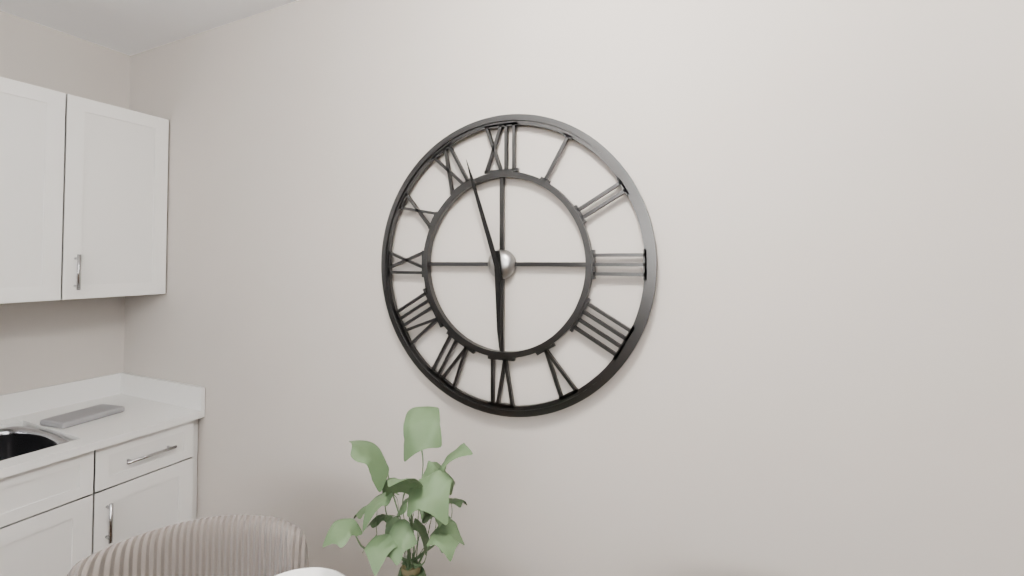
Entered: {"hour": 5, "minute": 57}
